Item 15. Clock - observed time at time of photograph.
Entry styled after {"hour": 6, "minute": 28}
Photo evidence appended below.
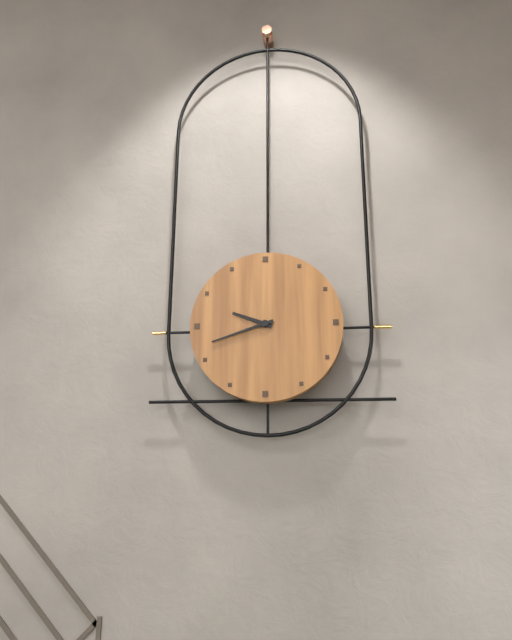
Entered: {"hour": 9, "minute": 42}
